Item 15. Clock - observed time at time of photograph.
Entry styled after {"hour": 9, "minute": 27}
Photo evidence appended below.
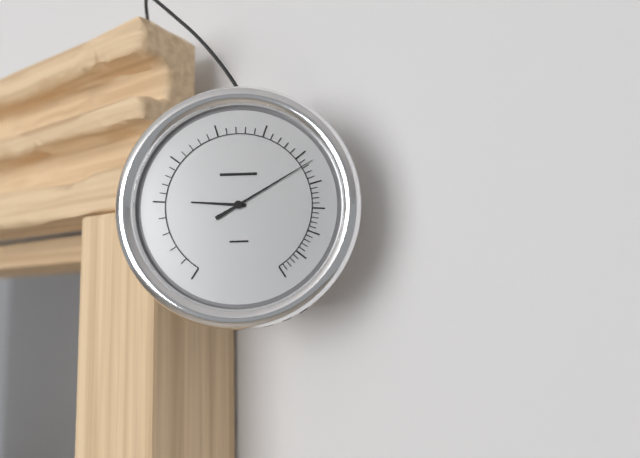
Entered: {"hour": 9, "minute": 10}
